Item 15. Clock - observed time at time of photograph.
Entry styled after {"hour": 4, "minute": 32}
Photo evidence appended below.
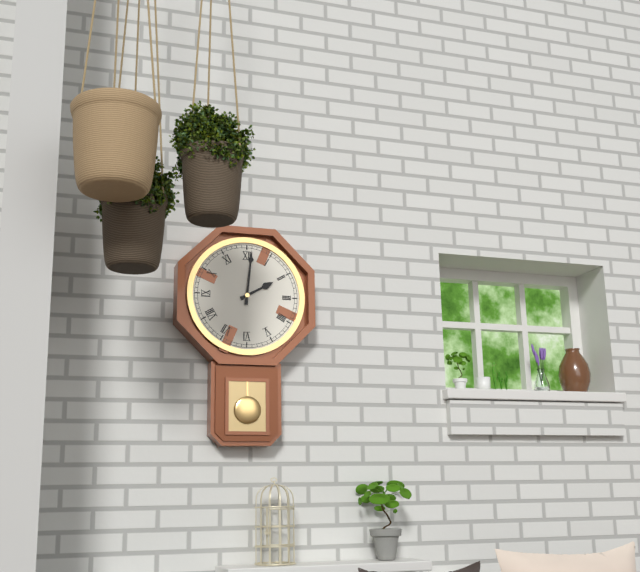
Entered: {"hour": 2, "minute": 1}
